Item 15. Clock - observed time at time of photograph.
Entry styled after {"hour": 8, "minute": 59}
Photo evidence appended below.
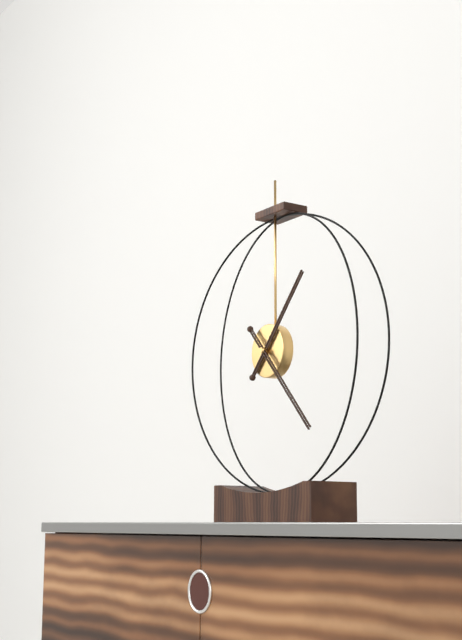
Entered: {"hour": 1, "minute": 23}
